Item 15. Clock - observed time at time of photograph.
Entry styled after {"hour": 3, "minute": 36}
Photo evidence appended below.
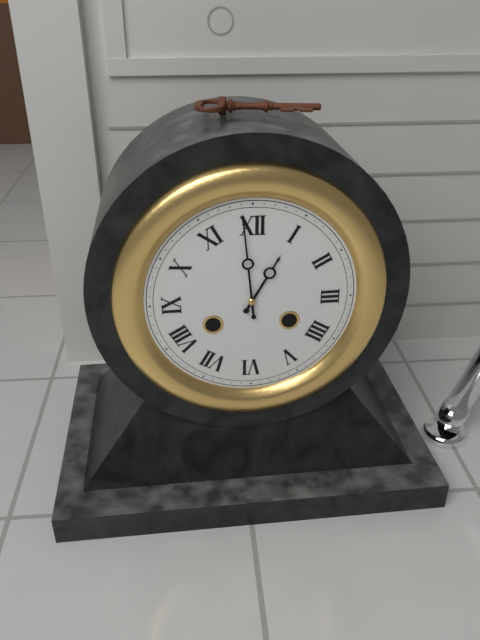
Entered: {"hour": 12, "minute": 59}
